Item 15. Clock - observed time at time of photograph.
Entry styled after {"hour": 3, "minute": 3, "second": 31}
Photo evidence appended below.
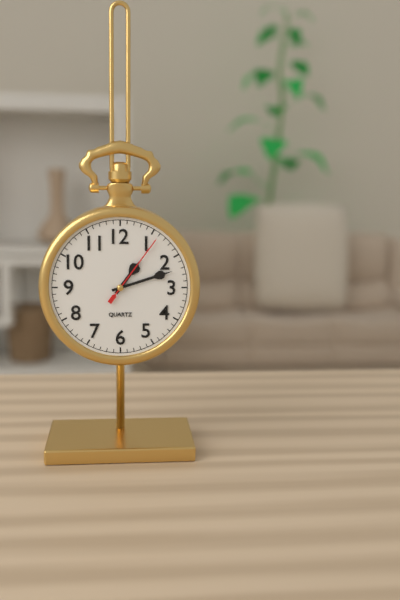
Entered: {"hour": 1, "minute": 12, "second": 6}
